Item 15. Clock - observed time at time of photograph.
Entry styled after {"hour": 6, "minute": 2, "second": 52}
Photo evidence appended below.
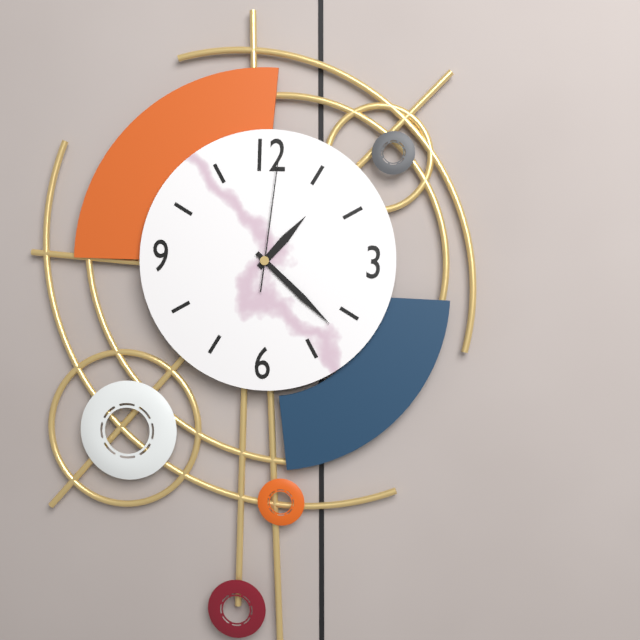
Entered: {"hour": 1, "minute": 22, "second": 1}
